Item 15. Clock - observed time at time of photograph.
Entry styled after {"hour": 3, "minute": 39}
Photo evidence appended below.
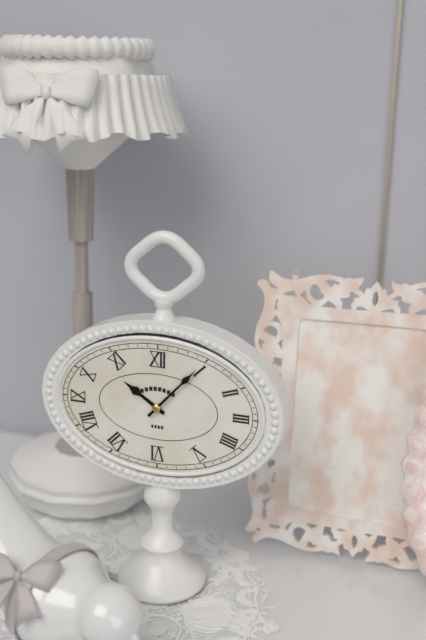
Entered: {"hour": 10, "minute": 7}
